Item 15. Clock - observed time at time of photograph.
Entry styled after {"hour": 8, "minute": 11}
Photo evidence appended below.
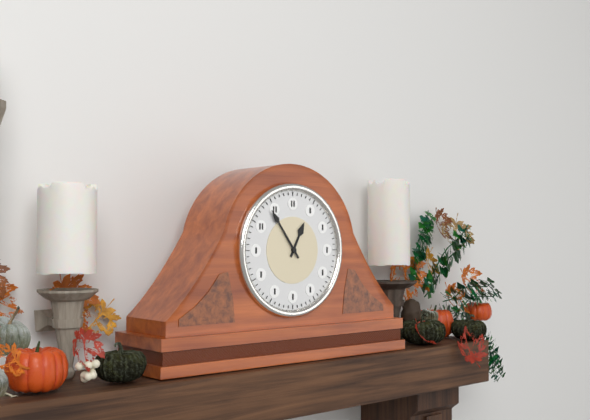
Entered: {"hour": 12, "minute": 54}
